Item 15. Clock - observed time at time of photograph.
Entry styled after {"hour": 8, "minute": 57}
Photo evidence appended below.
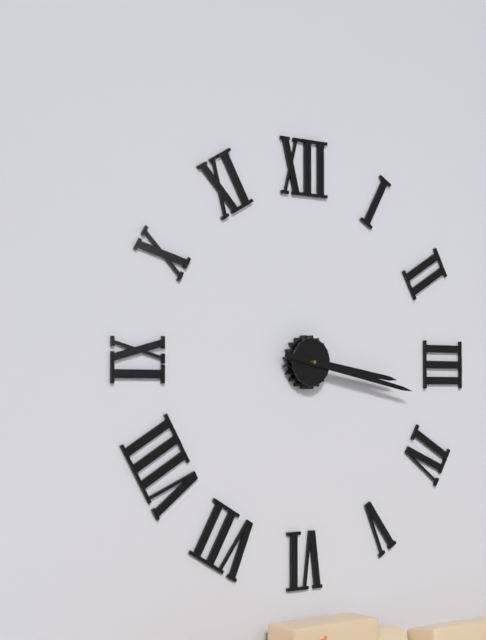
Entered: {"hour": 3, "minute": 17}
